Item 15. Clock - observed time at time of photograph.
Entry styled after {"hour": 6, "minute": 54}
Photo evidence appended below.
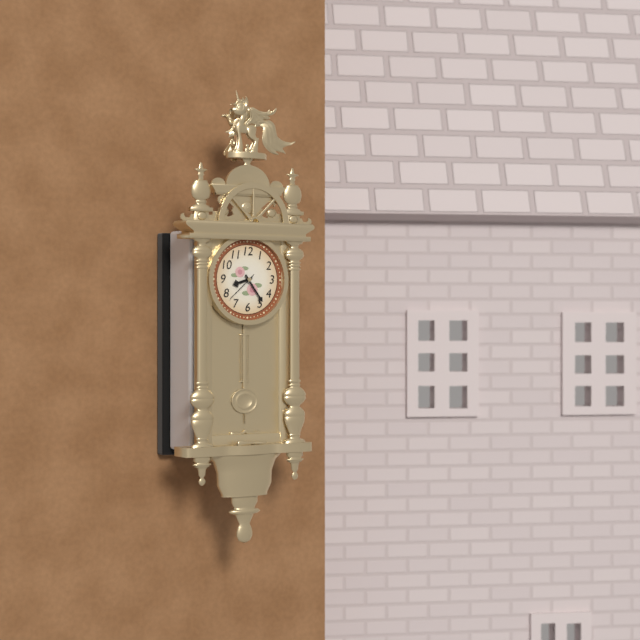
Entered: {"hour": 8, "minute": 24}
